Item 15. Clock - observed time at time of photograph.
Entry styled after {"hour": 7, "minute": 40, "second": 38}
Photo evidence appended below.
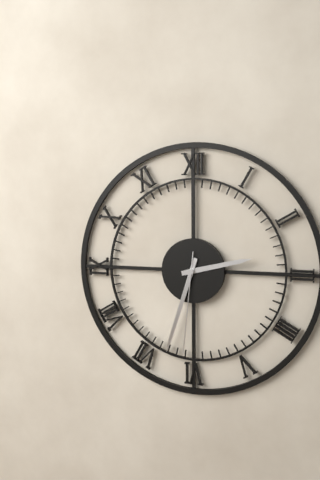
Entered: {"hour": 2, "minute": 33, "second": 31}
